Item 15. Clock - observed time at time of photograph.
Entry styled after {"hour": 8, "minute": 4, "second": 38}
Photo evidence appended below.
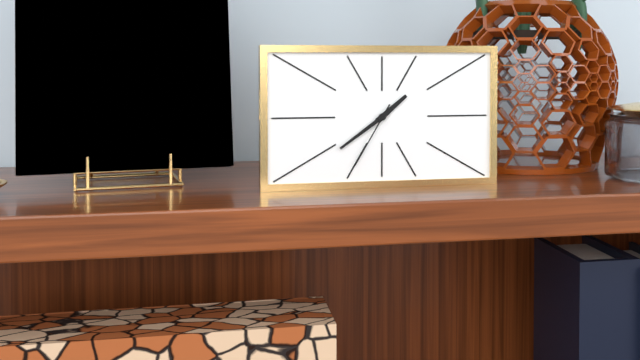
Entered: {"hour": 1, "minute": 39, "second": 35}
